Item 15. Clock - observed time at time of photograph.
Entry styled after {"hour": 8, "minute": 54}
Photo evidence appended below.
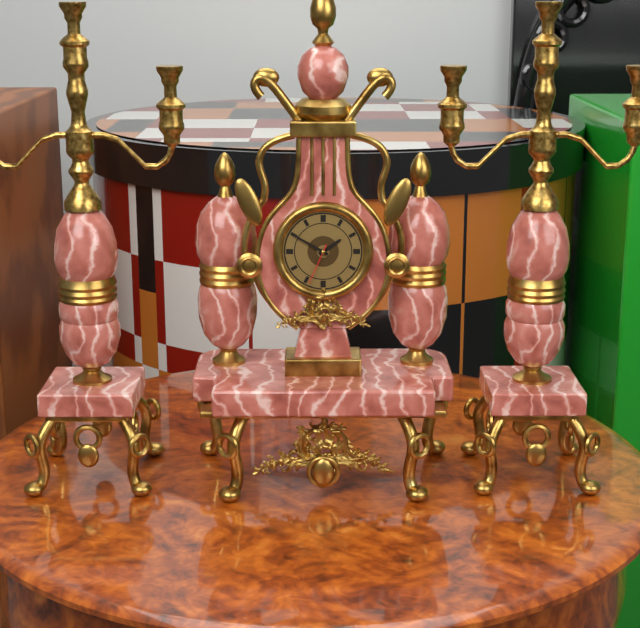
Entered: {"hour": 1, "minute": 50}
